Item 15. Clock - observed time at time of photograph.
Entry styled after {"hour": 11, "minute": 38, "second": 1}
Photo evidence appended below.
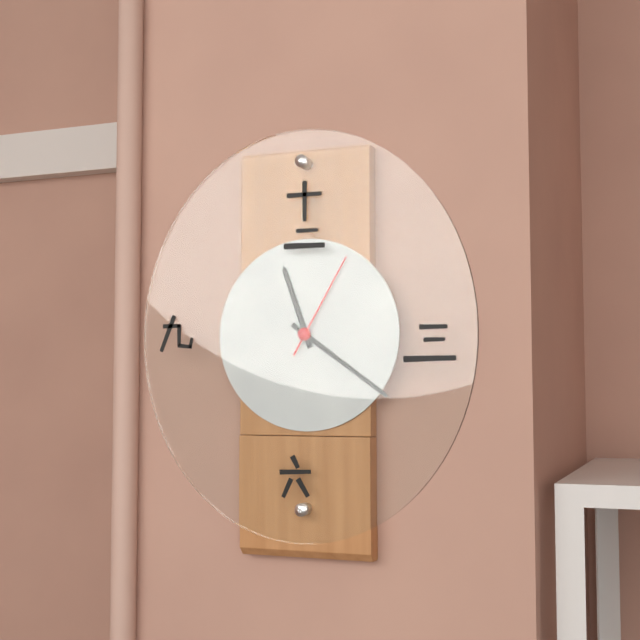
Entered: {"hour": 11, "minute": 21, "second": 5}
